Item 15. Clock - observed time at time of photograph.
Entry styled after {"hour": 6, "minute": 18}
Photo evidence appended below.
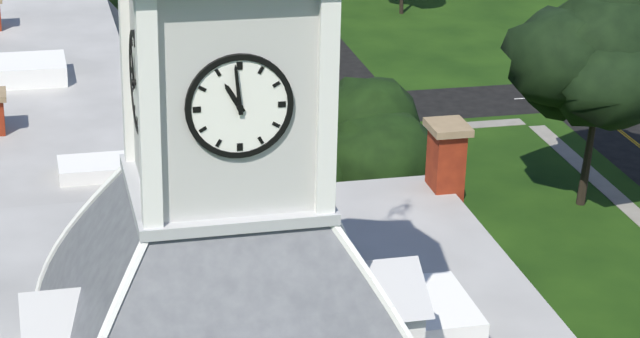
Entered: {"hour": 10, "minute": 59}
